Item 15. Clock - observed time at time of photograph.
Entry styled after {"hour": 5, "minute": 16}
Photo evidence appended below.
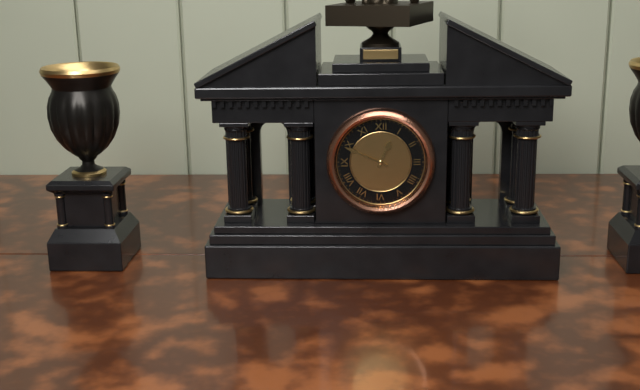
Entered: {"hour": 12, "minute": 49}
